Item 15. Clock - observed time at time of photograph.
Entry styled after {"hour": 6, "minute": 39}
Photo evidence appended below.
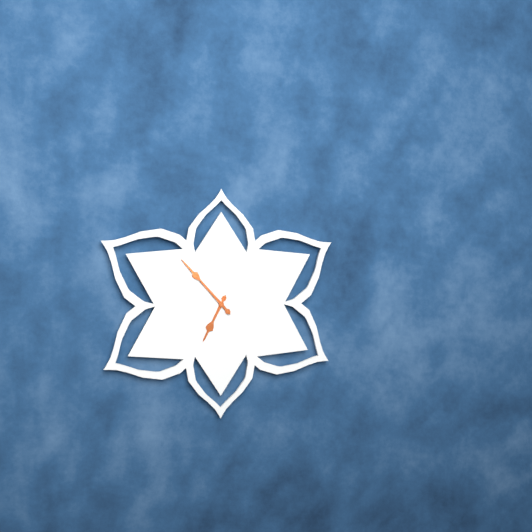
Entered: {"hour": 6, "minute": 53}
